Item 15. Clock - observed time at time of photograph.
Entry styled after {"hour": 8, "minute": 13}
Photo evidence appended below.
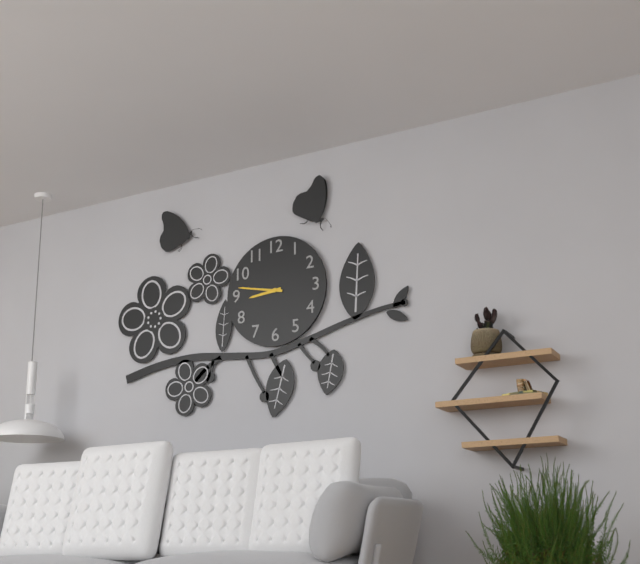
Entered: {"hour": 8, "minute": 47}
